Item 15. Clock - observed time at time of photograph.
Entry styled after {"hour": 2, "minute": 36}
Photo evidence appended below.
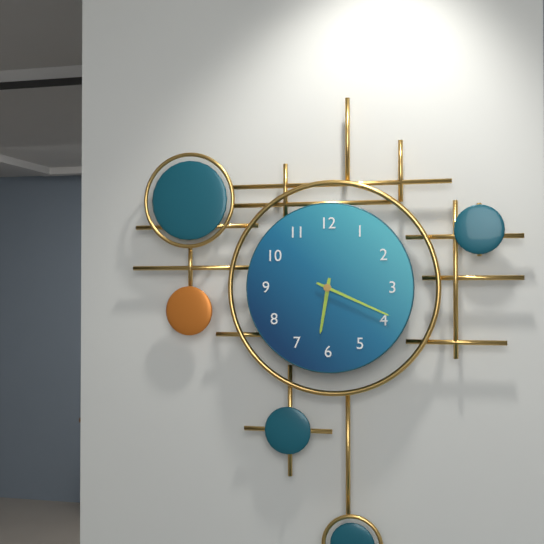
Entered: {"hour": 6, "minute": 19}
